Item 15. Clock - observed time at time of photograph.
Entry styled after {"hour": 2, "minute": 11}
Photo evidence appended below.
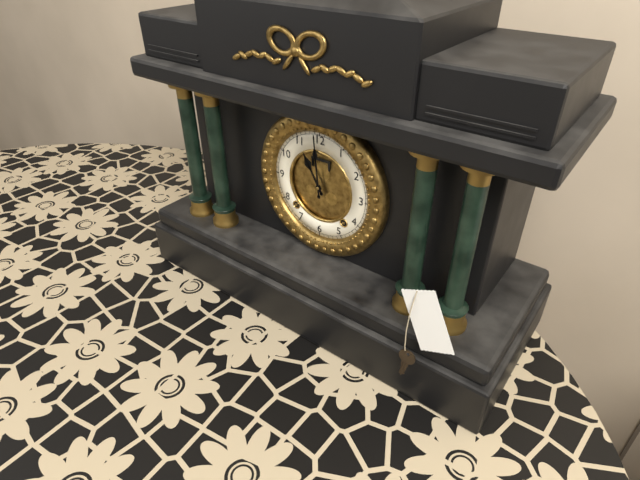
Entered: {"hour": 10, "minute": 59}
